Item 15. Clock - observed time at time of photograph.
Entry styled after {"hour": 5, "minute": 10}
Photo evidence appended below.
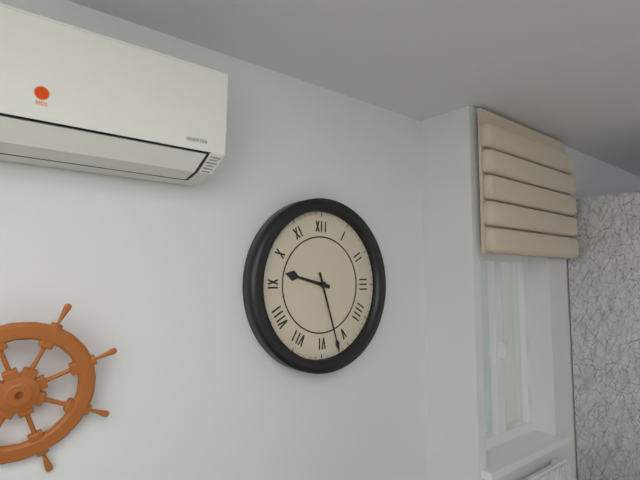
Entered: {"hour": 9, "minute": 27}
